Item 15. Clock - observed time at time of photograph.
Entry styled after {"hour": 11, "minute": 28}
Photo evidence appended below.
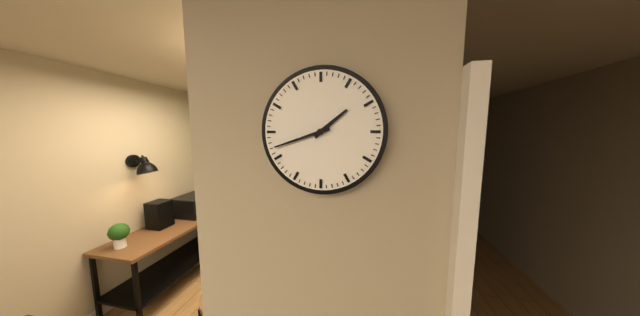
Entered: {"hour": 1, "minute": 42}
